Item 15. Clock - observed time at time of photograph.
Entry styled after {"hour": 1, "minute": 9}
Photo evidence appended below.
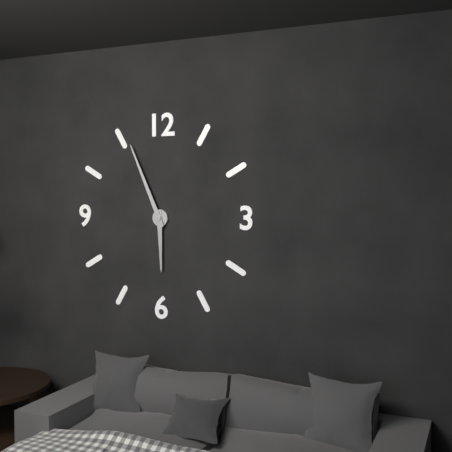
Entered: {"hour": 5, "minute": 56}
